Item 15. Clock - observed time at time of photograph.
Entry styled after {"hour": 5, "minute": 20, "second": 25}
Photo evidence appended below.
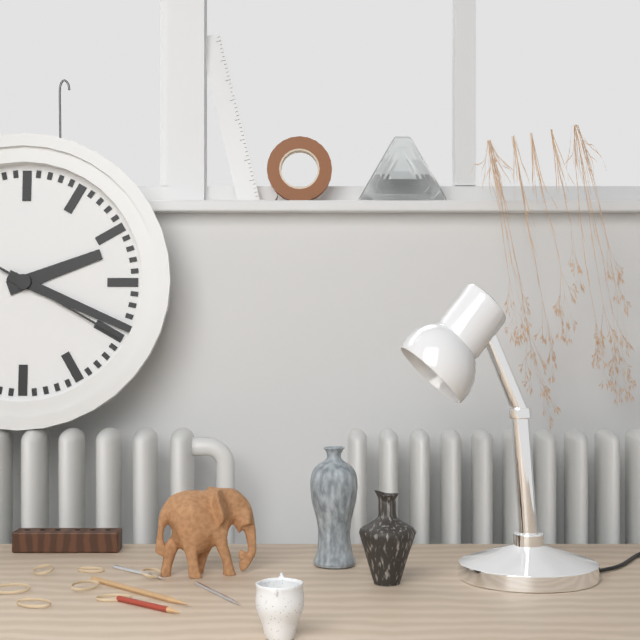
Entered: {"hour": 2, "minute": 19, "second": 20}
